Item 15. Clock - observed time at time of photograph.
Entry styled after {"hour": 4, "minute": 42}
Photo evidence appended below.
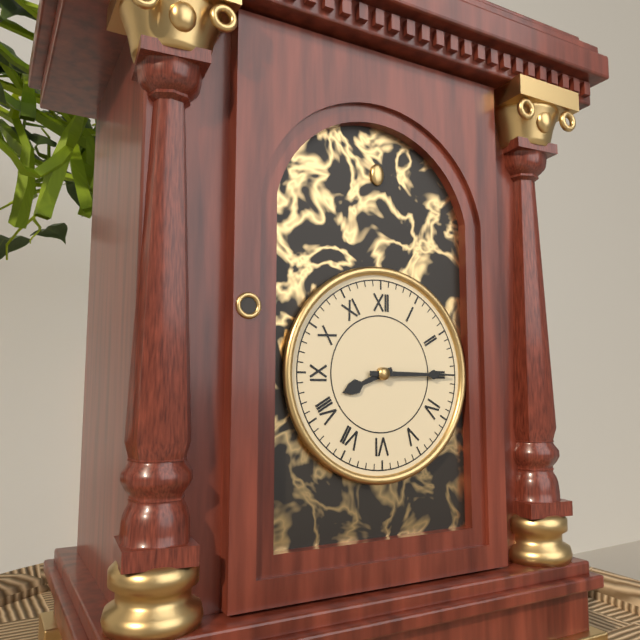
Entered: {"hour": 8, "minute": 15}
